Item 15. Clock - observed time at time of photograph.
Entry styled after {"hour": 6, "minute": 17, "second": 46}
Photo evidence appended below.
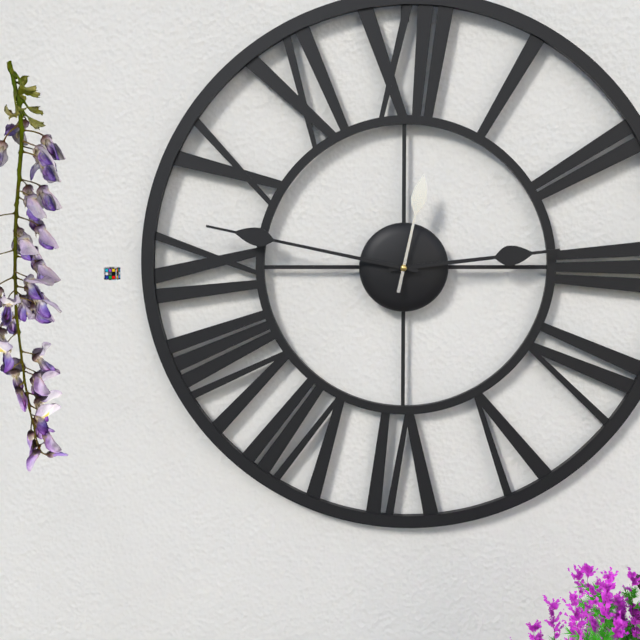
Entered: {"hour": 2, "minute": 47, "second": 2}
